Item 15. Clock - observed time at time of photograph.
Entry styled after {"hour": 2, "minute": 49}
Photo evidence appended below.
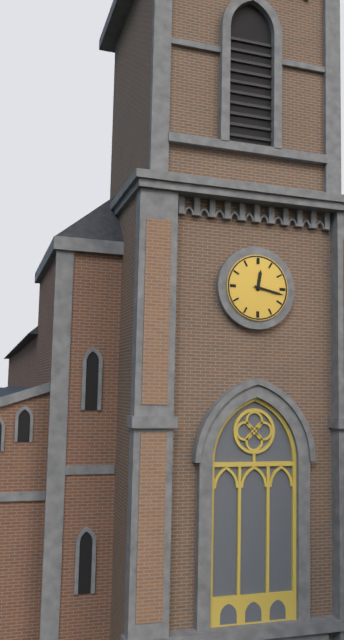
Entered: {"hour": 12, "minute": 17}
